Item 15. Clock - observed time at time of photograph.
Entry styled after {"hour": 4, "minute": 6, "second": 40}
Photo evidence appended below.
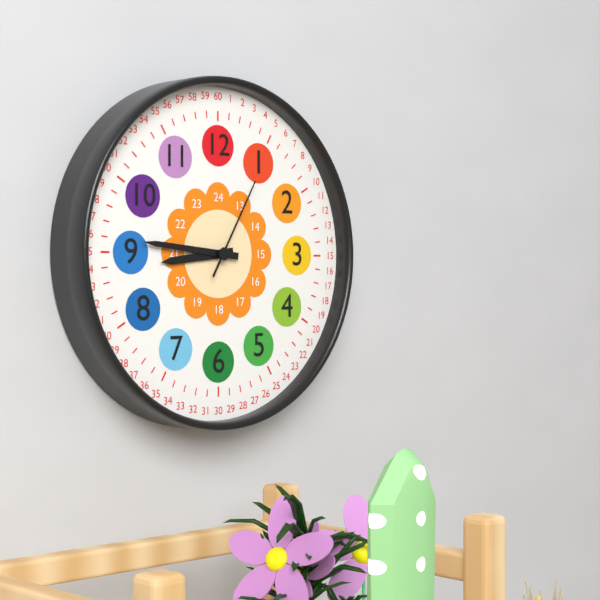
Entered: {"hour": 8, "minute": 46, "second": 5}
